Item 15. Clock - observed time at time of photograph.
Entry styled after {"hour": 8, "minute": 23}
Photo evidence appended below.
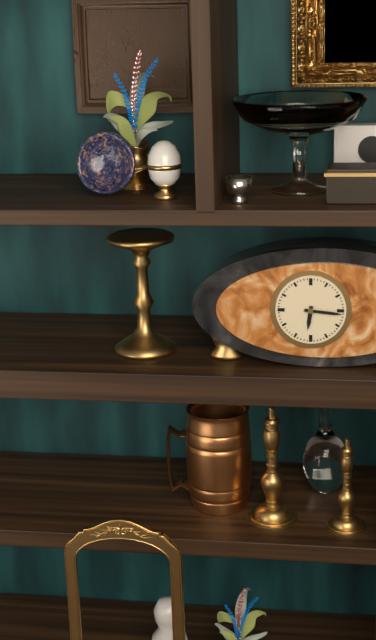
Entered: {"hour": 6, "minute": 16}
